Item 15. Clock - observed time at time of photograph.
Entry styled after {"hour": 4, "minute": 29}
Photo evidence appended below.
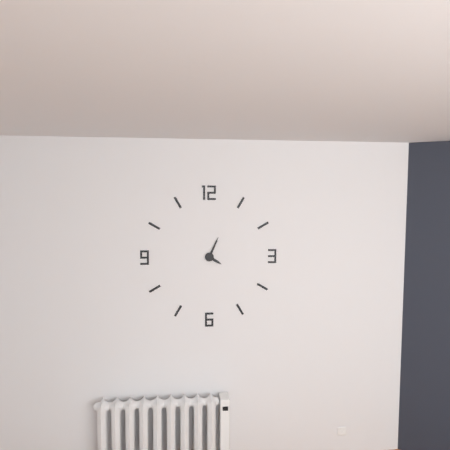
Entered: {"hour": 4, "minute": 4}
